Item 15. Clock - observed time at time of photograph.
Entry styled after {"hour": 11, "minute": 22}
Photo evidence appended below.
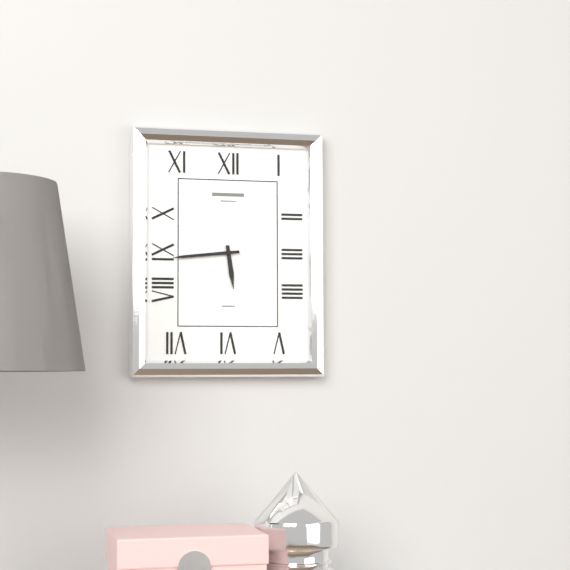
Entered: {"hour": 5, "minute": 44}
